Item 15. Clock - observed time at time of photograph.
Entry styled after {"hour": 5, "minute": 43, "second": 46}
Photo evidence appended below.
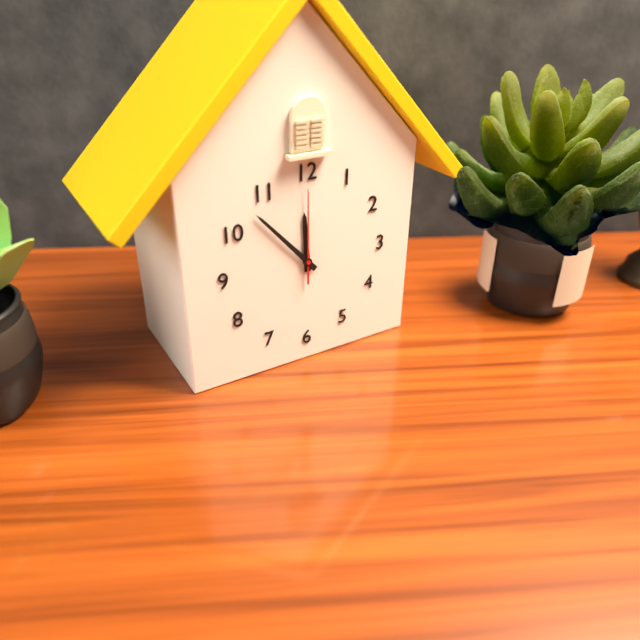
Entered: {"hour": 11, "minute": 53, "second": 0}
